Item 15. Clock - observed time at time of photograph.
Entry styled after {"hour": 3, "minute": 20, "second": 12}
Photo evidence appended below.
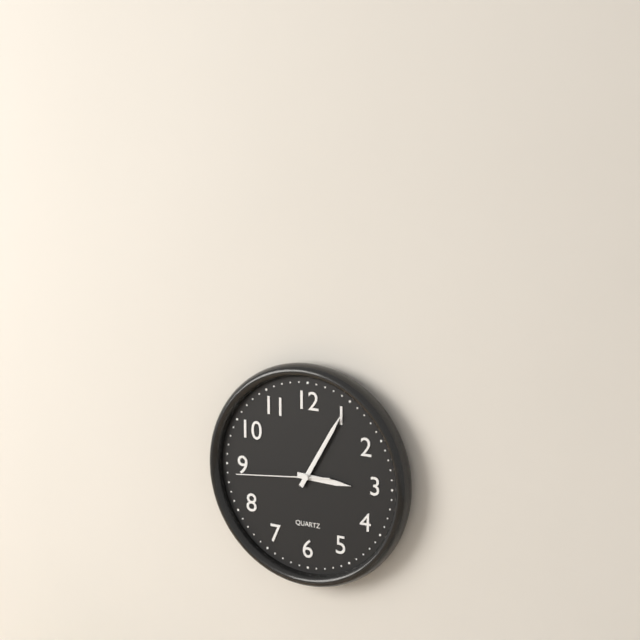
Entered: {"hour": 3, "minute": 5, "second": 44}
